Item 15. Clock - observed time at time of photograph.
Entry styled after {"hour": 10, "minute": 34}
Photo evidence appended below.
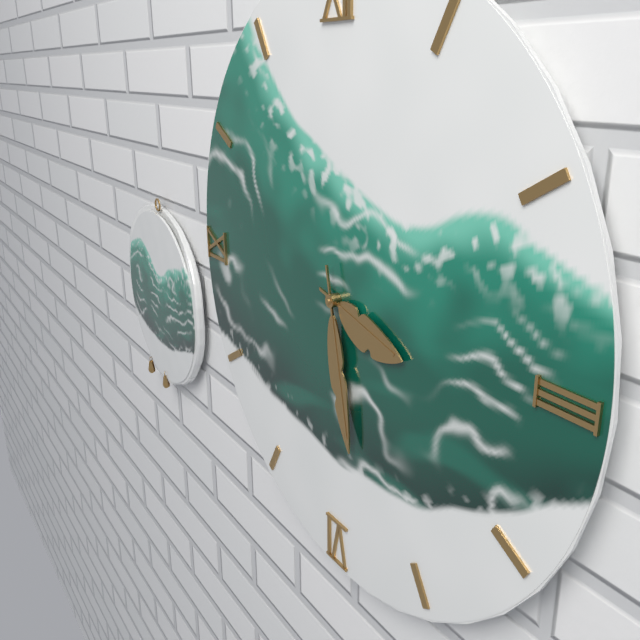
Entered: {"hour": 3, "minute": 28}
